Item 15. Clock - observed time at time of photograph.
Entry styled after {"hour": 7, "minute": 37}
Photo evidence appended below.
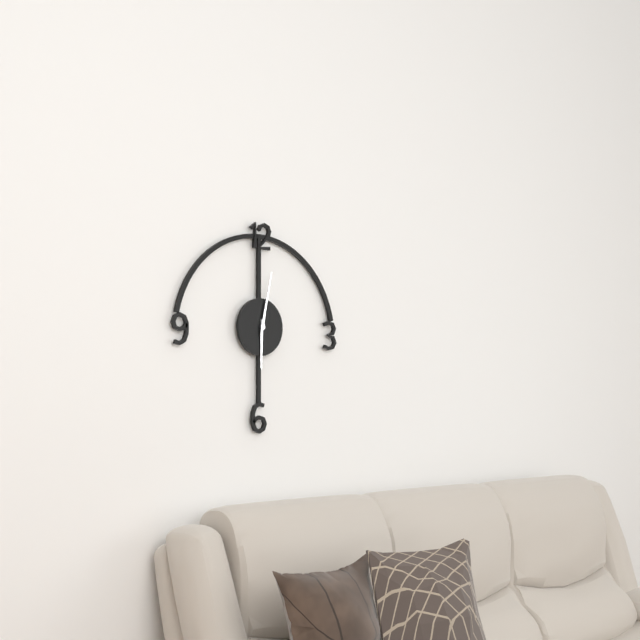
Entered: {"hour": 6, "minute": 2}
